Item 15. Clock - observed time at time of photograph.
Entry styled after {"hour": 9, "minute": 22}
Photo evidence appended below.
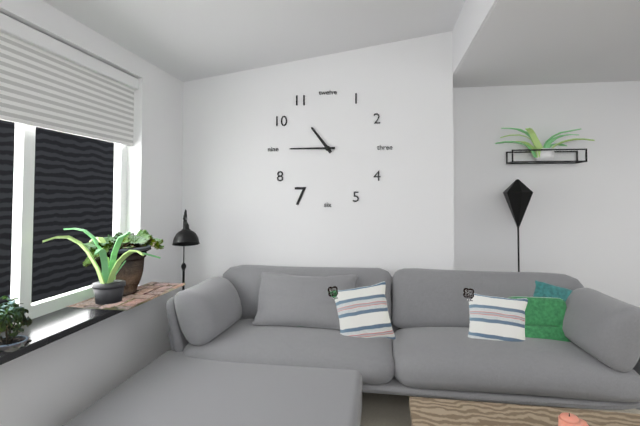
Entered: {"hour": 10, "minute": 45}
